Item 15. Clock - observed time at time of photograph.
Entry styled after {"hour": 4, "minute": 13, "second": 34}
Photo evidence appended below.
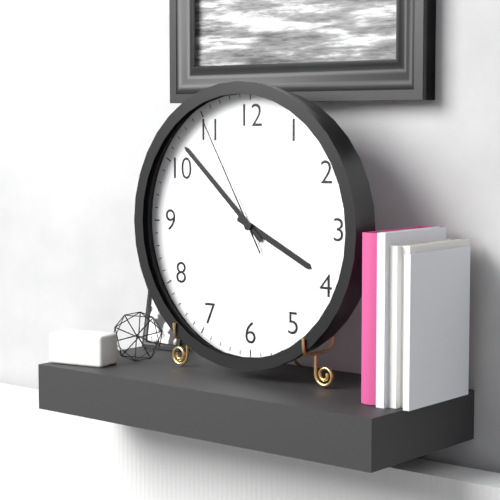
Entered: {"hour": 3, "minute": 52, "second": 55}
